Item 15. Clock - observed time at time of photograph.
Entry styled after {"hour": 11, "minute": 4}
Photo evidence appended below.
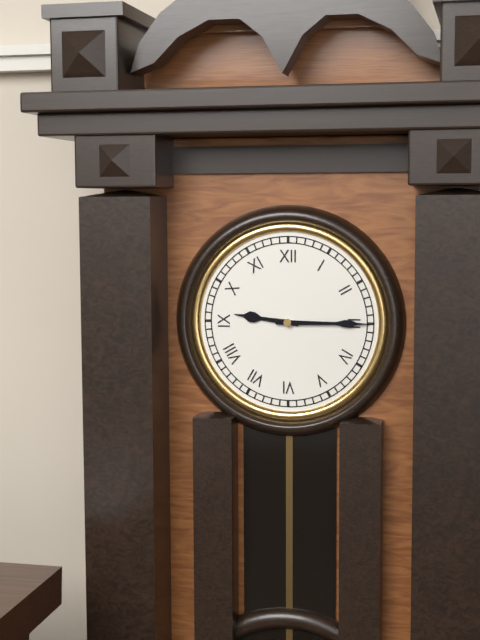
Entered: {"hour": 9, "minute": 15}
